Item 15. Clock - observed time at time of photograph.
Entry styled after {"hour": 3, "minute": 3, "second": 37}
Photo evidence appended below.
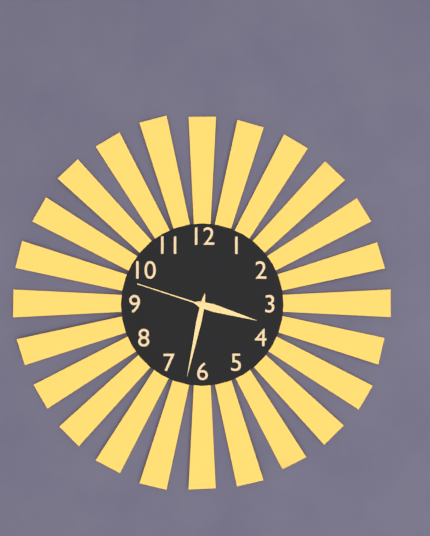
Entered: {"hour": 3, "minute": 32, "second": 48}
